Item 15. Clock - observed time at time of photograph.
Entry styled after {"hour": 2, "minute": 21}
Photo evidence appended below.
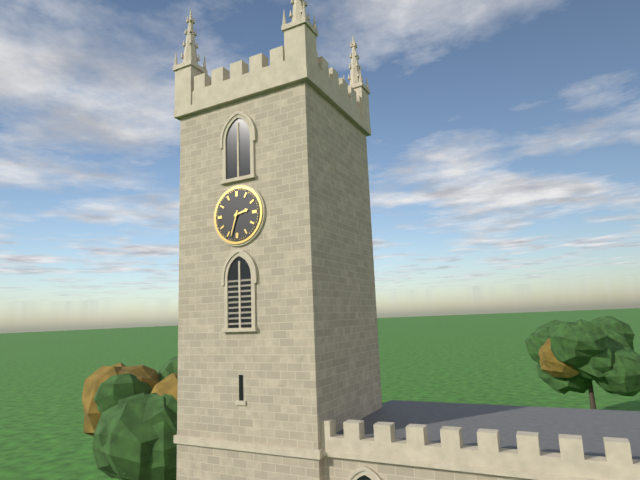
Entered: {"hour": 2, "minute": 33}
